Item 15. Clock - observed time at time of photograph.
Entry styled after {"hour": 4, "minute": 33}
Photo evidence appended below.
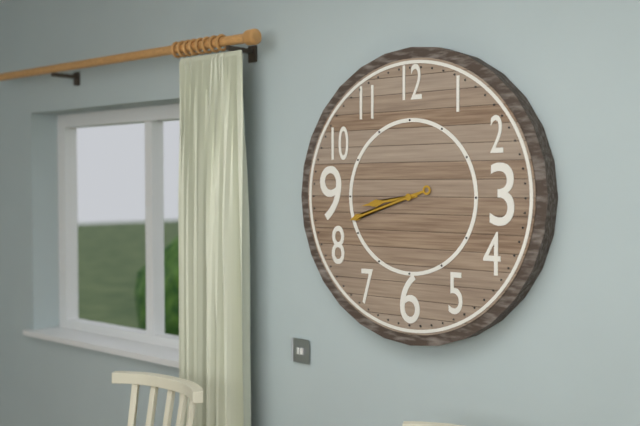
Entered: {"hour": 8, "minute": 42}
